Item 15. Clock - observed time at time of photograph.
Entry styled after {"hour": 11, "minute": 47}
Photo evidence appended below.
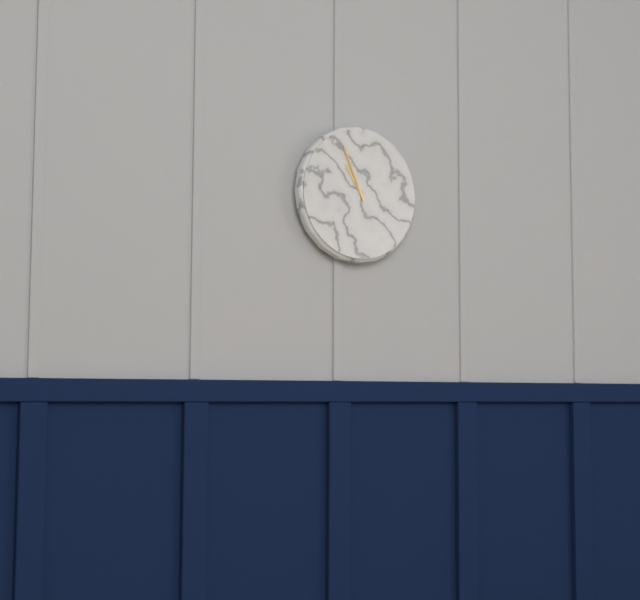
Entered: {"hour": 10, "minute": 56}
